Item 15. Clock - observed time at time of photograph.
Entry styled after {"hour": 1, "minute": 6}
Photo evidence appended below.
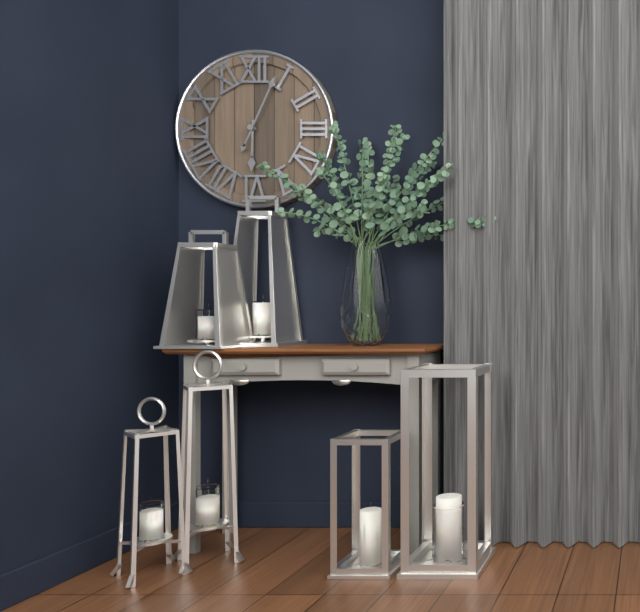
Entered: {"hour": 6, "minute": 4}
